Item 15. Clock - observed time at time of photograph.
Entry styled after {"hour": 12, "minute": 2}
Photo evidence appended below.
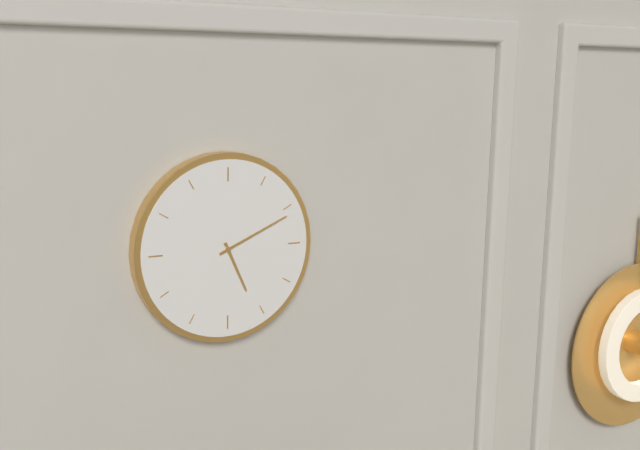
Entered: {"hour": 5, "minute": 11}
